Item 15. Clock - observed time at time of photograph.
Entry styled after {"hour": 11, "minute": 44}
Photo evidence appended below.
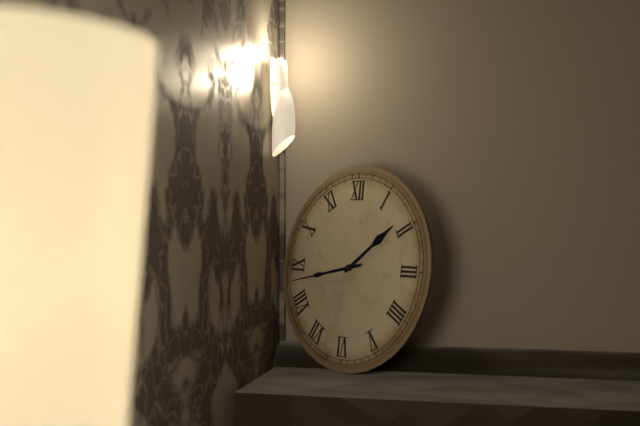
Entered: {"hour": 1, "minute": 43}
